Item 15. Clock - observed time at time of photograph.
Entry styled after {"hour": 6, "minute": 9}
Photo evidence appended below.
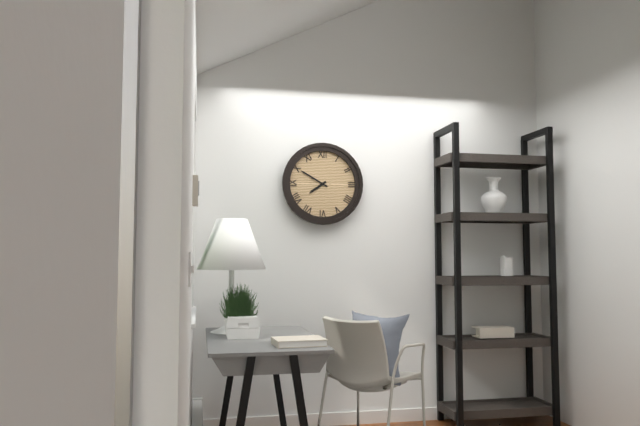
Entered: {"hour": 7, "minute": 50}
